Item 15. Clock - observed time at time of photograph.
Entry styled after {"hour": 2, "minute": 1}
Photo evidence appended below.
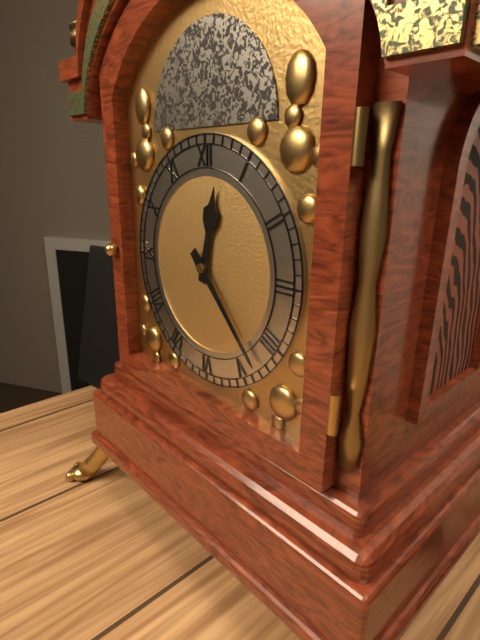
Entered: {"hour": 12, "minute": 23}
